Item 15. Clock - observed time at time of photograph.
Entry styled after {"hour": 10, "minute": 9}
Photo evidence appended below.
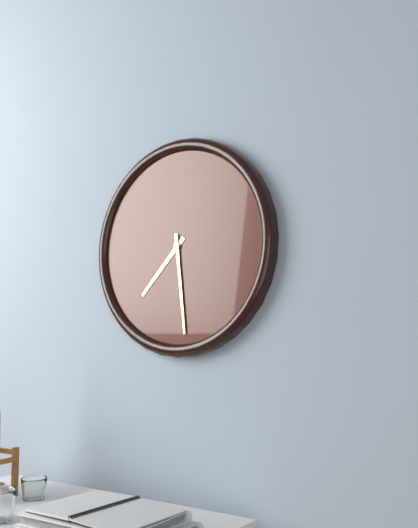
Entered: {"hour": 7, "minute": 29}
